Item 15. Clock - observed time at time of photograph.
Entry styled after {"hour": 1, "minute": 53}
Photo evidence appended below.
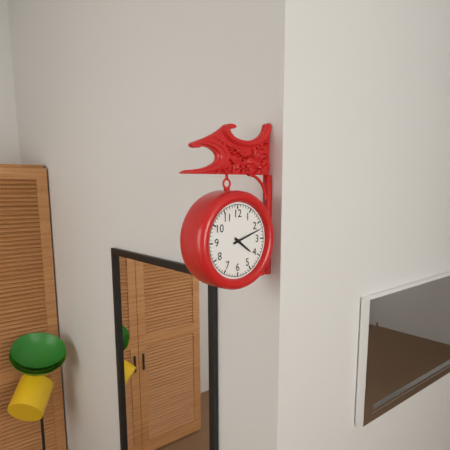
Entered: {"hour": 4, "minute": 12}
